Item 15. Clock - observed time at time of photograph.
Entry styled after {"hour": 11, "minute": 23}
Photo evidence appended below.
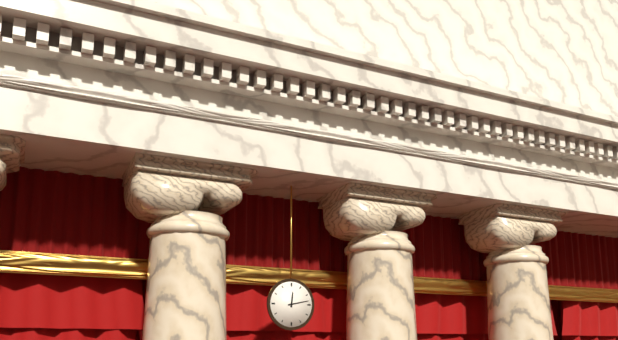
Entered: {"hour": 12, "minute": 13}
